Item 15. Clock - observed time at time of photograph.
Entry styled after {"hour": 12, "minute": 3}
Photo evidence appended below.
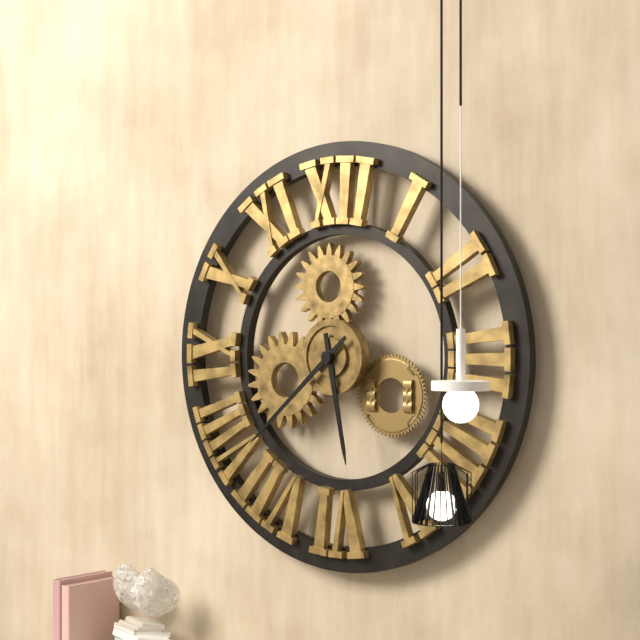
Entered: {"hour": 5, "minute": 38}
